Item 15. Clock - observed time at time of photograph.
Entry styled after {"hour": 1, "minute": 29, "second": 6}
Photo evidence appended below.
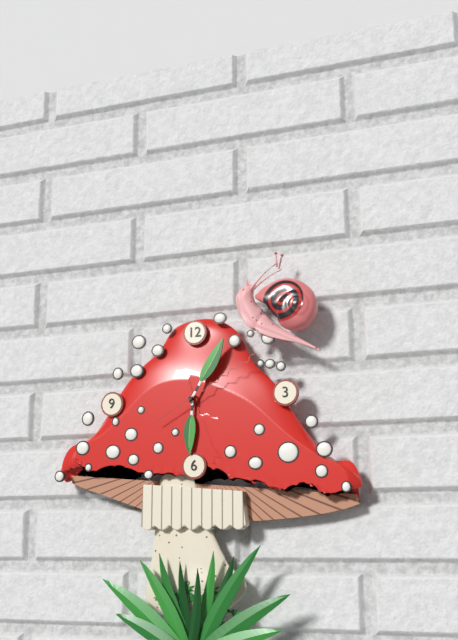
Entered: {"hour": 6, "minute": 5, "second": 10}
